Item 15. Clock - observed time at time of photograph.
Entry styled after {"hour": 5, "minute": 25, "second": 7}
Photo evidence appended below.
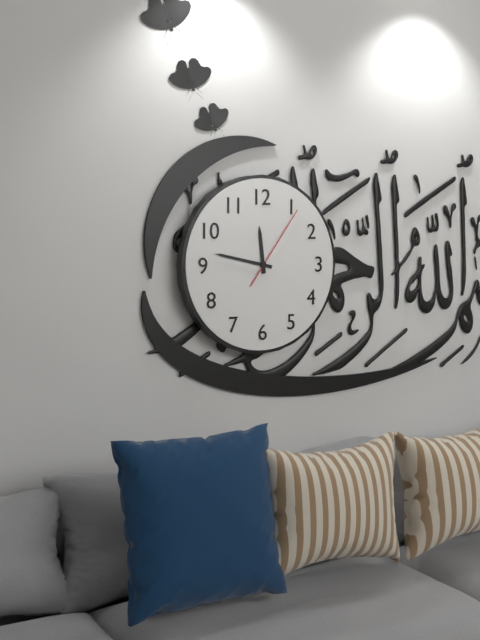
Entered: {"hour": 11, "minute": 47, "second": 6}
